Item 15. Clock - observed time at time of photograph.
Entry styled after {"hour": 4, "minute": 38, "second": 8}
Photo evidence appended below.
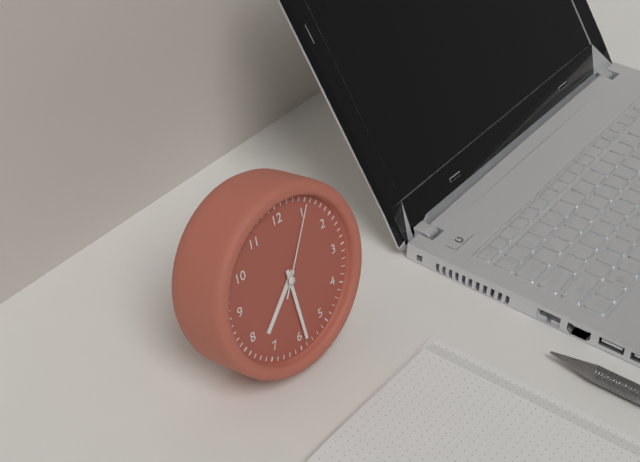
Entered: {"hour": 7, "minute": 29, "second": 5}
